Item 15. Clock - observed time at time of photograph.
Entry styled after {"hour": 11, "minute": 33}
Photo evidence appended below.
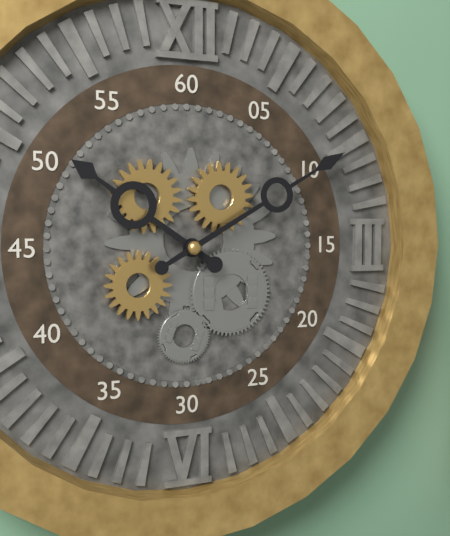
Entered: {"hour": 10, "minute": 10}
